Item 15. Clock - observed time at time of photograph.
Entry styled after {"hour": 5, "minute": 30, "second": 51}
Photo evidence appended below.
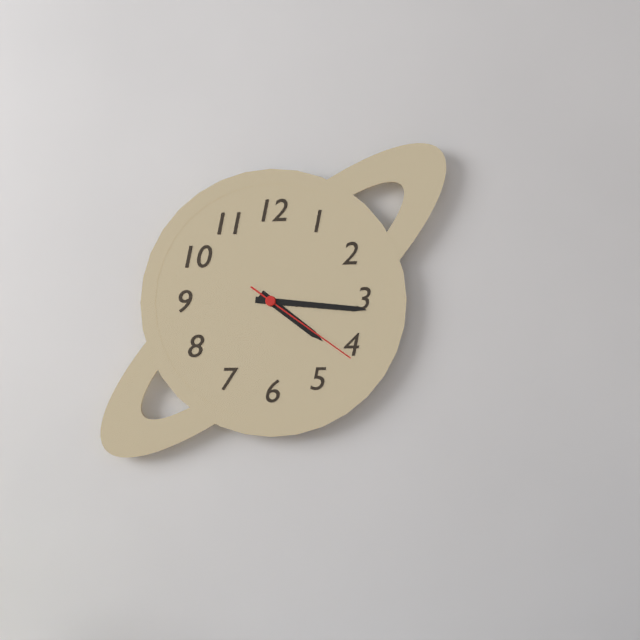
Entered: {"hour": 4, "minute": 16, "second": 21}
